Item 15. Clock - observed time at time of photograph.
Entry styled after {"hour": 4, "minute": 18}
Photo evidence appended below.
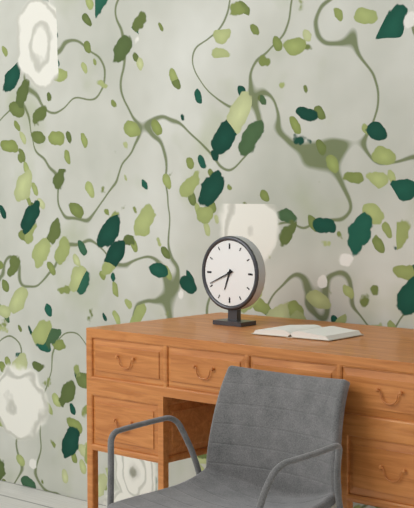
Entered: {"hour": 6, "minute": 41}
